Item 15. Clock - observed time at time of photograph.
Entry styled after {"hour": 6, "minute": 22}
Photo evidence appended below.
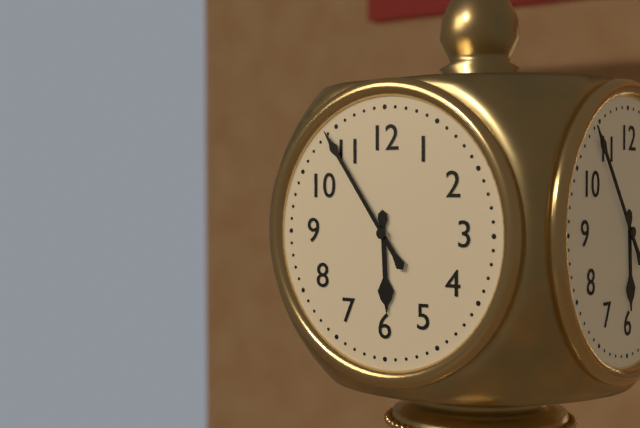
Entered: {"hour": 5, "minute": 54}
